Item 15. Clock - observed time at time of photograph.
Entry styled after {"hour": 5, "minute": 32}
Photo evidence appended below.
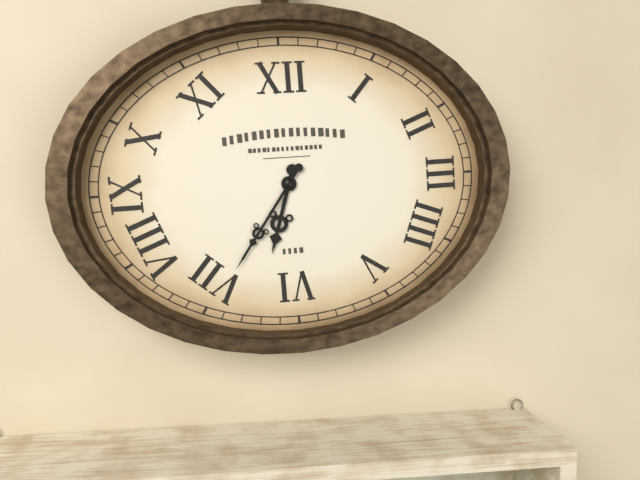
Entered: {"hour": 6, "minute": 36}
